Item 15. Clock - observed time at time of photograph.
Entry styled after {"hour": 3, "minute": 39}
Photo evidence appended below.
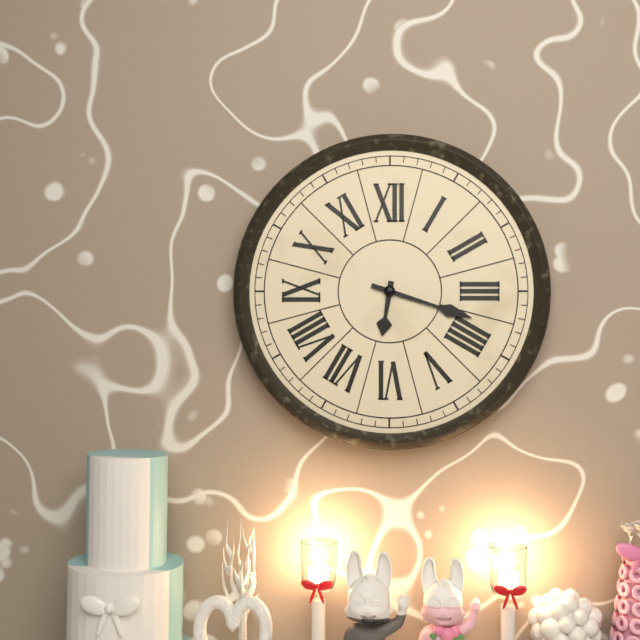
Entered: {"hour": 6, "minute": 18}
